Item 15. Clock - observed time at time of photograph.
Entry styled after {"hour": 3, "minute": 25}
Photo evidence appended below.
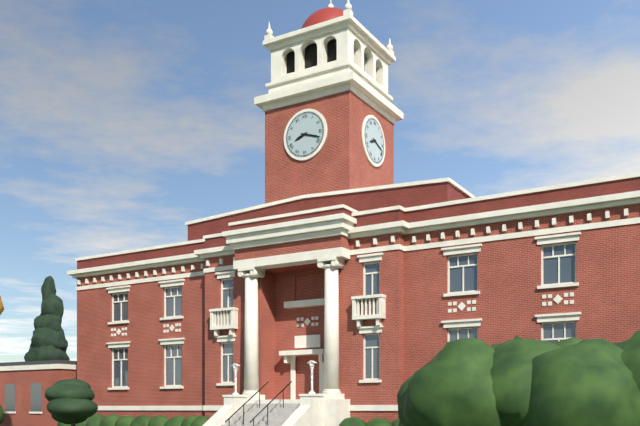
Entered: {"hour": 8, "minute": 18}
